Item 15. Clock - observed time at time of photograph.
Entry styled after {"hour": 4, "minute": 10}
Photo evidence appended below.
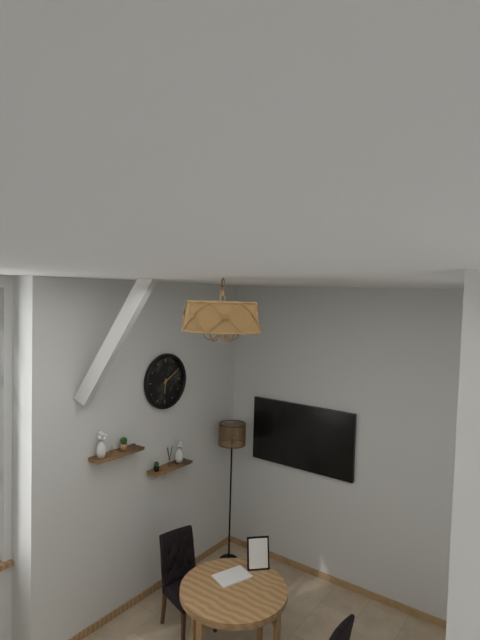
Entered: {"hour": 6, "minute": 10}
